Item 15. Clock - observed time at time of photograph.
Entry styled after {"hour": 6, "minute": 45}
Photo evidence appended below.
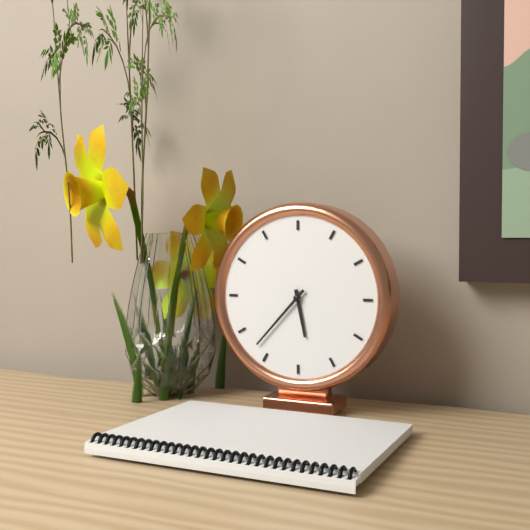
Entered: {"hour": 5, "minute": 37}
